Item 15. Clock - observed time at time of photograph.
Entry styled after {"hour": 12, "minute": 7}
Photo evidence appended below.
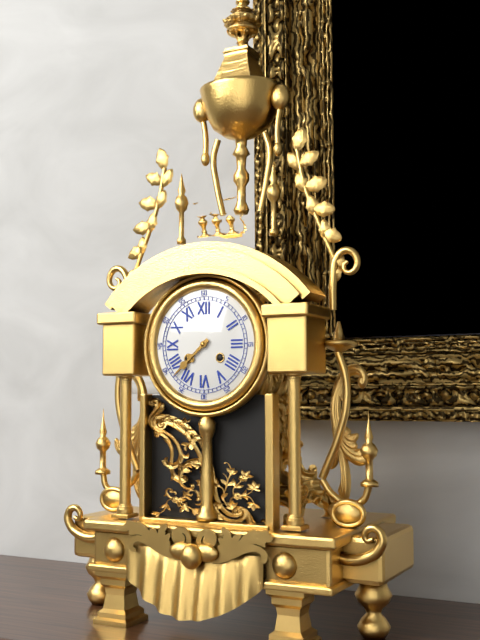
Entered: {"hour": 7, "minute": 38}
